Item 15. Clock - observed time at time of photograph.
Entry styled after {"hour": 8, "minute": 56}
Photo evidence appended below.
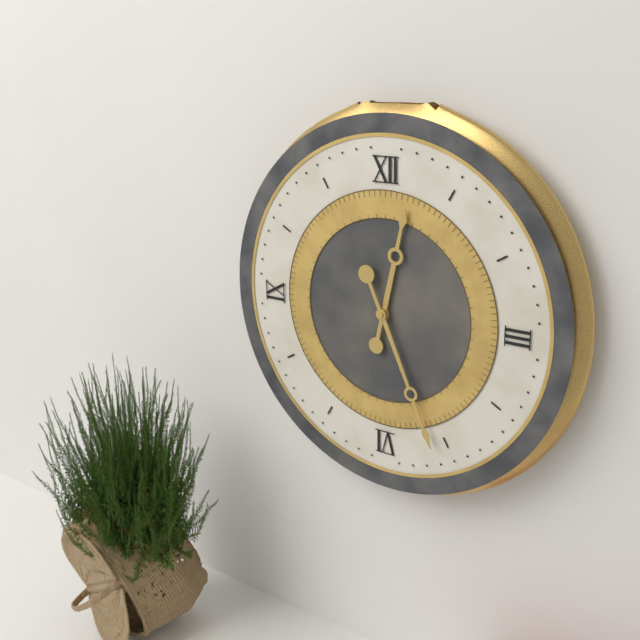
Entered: {"hour": 12, "minute": 26}
